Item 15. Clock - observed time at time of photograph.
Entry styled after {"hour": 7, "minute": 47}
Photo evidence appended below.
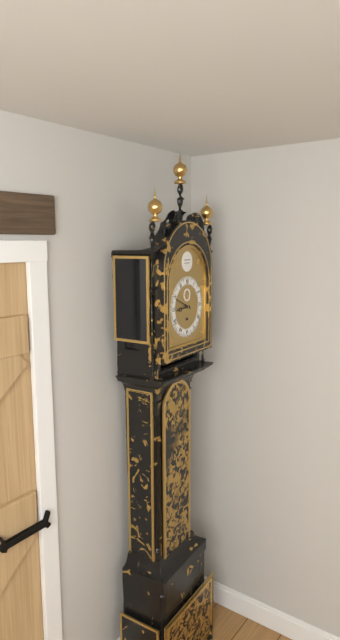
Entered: {"hour": 8, "minute": 49}
